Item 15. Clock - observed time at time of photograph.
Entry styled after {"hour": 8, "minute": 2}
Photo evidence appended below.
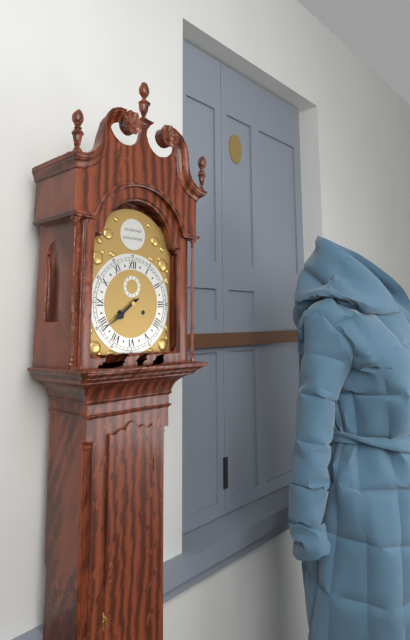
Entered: {"hour": 7, "minute": 39}
